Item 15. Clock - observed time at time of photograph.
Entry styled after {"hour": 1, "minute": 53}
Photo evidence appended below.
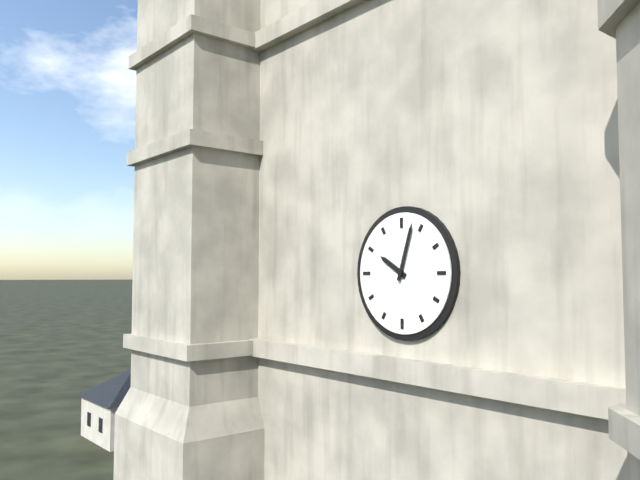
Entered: {"hour": 10, "minute": 3}
